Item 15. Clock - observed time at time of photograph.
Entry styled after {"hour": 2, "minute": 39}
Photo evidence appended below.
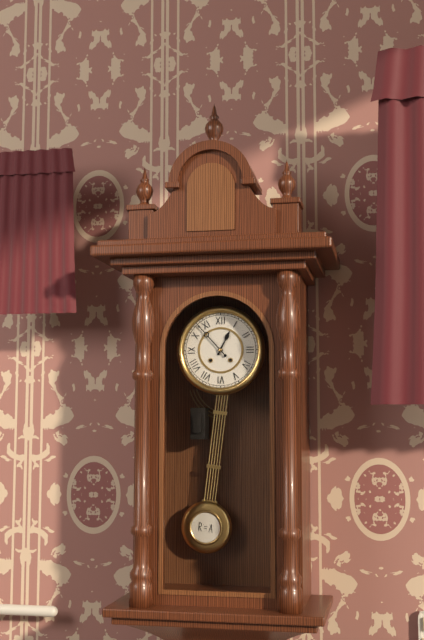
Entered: {"hour": 12, "minute": 53}
